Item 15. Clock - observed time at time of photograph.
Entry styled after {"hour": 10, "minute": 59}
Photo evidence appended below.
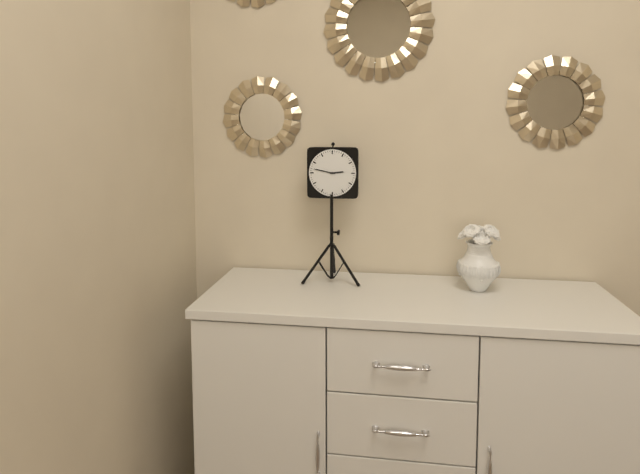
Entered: {"hour": 2, "minute": 47}
